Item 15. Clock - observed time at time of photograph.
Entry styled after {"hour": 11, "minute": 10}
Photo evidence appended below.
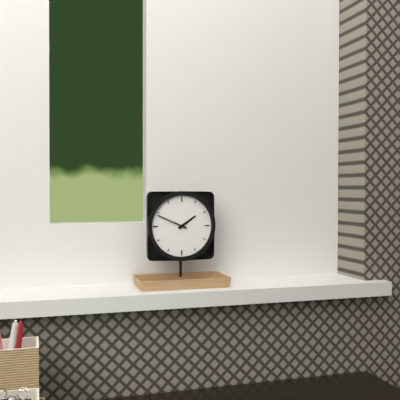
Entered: {"hour": 1, "minute": 49}
